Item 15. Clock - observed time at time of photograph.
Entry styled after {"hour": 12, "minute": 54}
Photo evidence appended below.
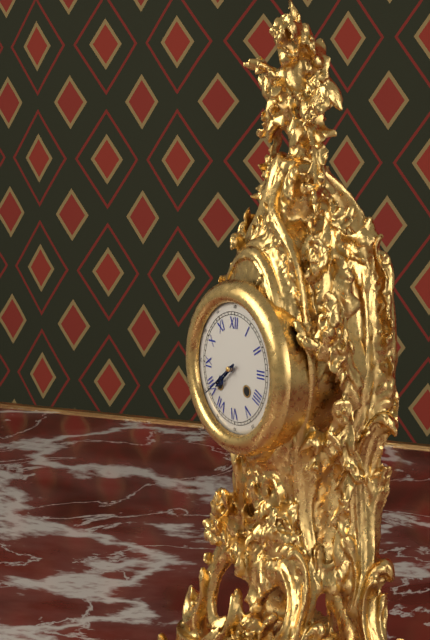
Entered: {"hour": 7, "minute": 39}
